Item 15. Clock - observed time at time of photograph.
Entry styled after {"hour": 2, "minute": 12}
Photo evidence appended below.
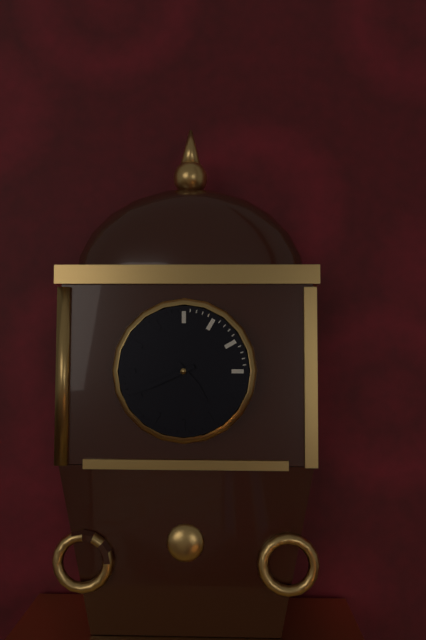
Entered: {"hour": 4, "minute": 41}
